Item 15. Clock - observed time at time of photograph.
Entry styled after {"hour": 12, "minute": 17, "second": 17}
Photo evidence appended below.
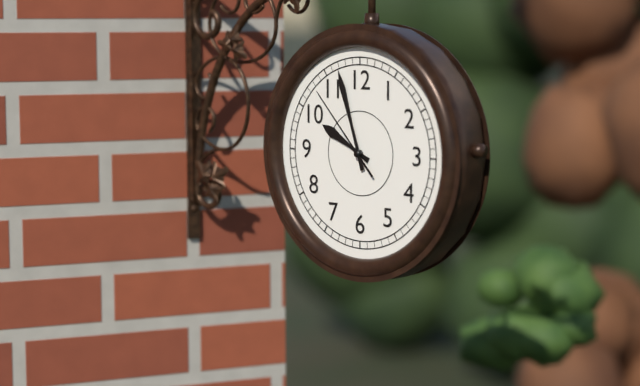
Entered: {"hour": 9, "minute": 57, "second": 53}
